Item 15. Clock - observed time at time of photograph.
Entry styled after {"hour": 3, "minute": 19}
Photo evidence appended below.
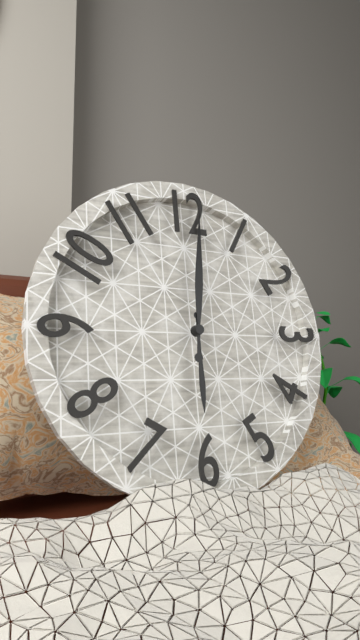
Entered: {"hour": 6, "minute": 1}
